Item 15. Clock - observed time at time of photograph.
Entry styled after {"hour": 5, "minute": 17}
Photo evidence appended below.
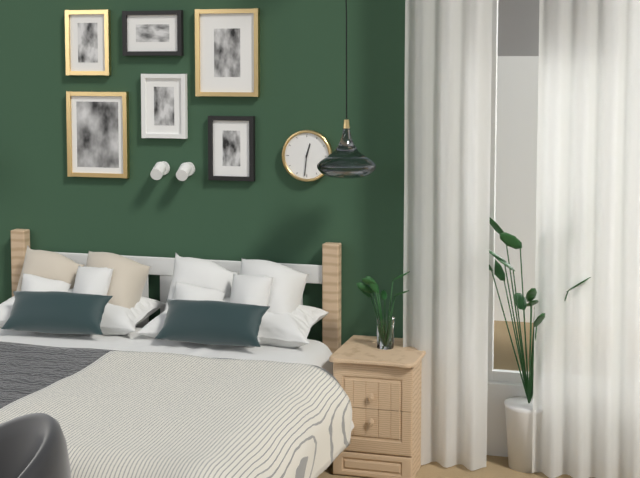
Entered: {"hour": 12, "minute": 31}
